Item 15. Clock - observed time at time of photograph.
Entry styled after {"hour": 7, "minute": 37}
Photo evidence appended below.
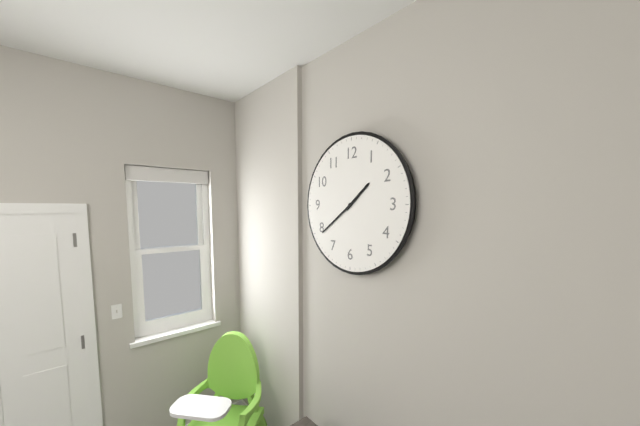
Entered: {"hour": 1, "minute": 39}
